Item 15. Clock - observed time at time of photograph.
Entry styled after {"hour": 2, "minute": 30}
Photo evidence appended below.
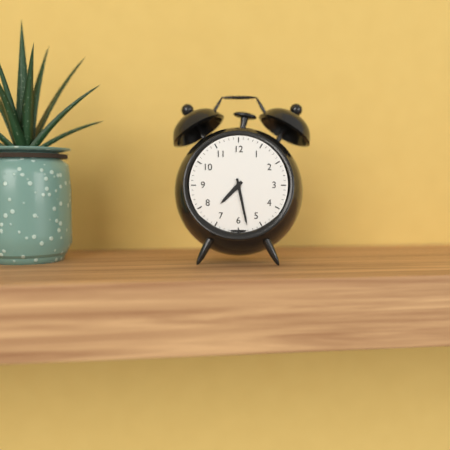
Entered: {"hour": 7, "minute": 28}
